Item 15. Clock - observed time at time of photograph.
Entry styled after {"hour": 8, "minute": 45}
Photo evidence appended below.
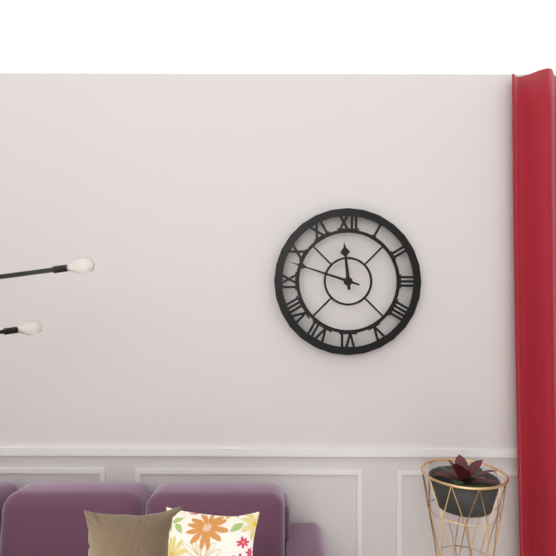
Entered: {"hour": 11, "minute": 48}
